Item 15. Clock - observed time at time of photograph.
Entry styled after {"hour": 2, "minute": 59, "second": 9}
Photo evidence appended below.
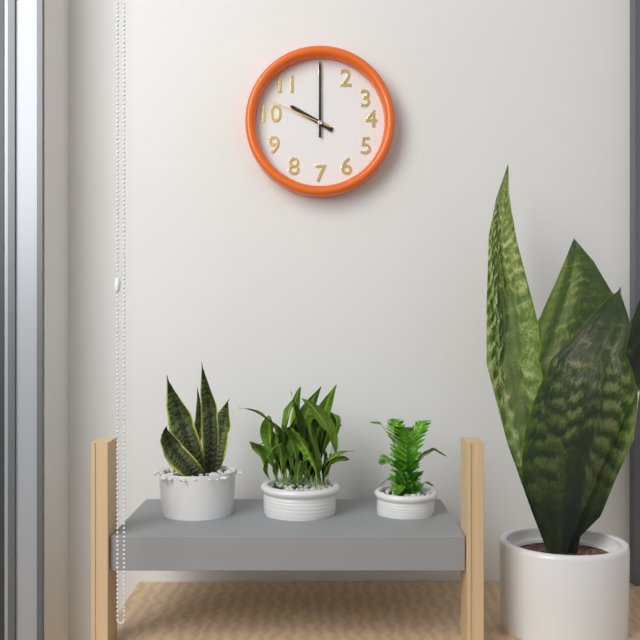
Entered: {"hour": 10, "minute": 0, "second": 49}
